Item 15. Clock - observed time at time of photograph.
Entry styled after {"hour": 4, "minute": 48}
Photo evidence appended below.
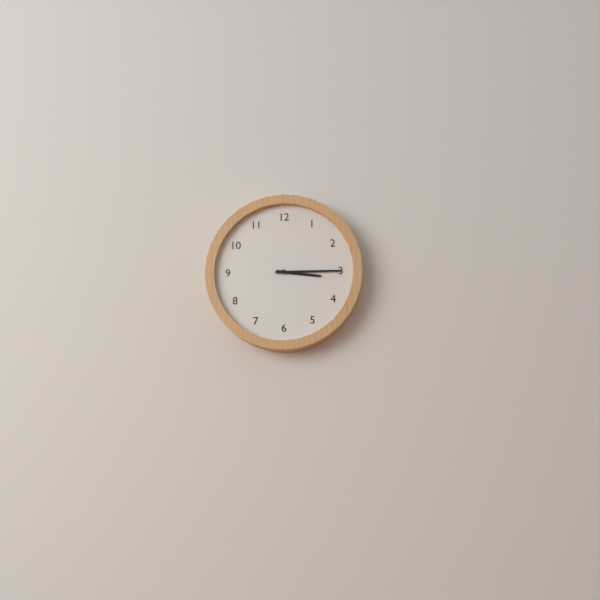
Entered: {"hour": 3, "minute": 15}
